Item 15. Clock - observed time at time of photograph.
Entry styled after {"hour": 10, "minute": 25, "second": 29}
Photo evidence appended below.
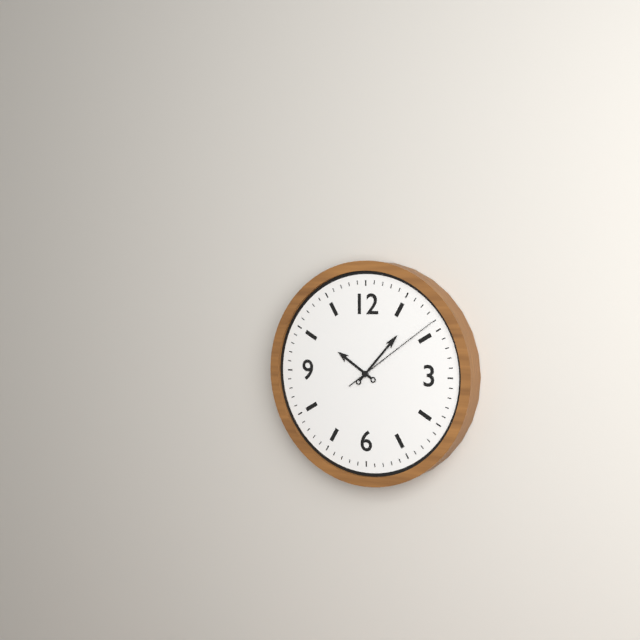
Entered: {"hour": 10, "minute": 7, "second": 9}
